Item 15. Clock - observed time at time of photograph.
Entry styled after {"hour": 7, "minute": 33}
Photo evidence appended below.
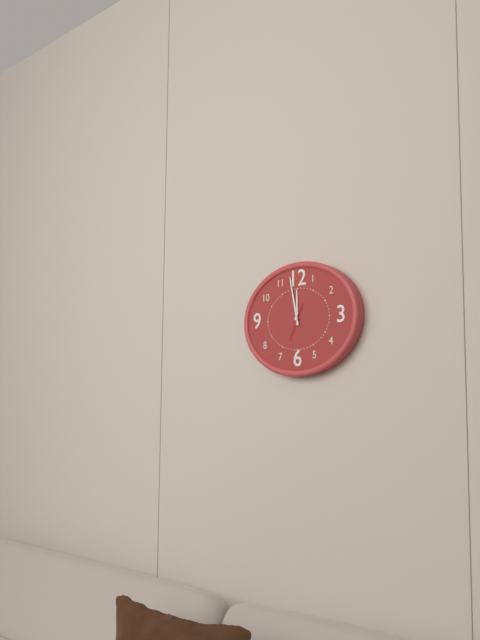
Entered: {"hour": 11, "minute": 58}
